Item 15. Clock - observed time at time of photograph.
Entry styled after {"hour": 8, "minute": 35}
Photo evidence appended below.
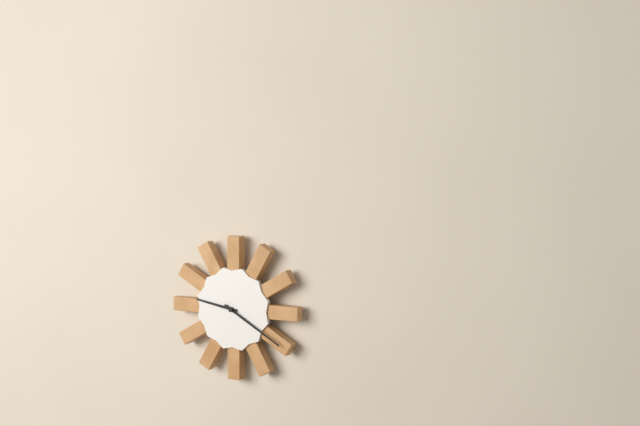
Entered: {"hour": 9, "minute": 20}
